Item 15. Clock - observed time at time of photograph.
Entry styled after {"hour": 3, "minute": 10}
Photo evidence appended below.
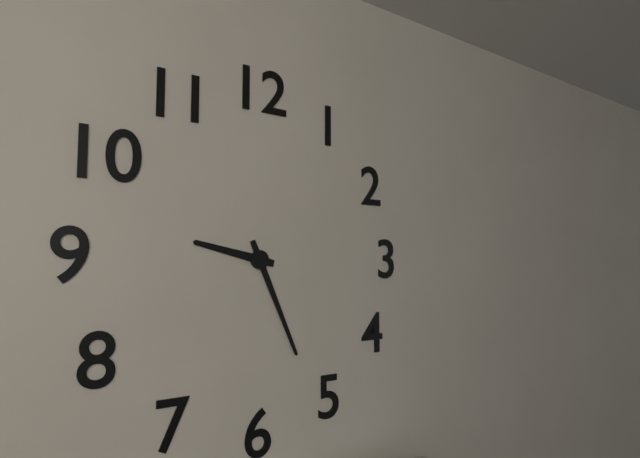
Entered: {"hour": 9, "minute": 26}
